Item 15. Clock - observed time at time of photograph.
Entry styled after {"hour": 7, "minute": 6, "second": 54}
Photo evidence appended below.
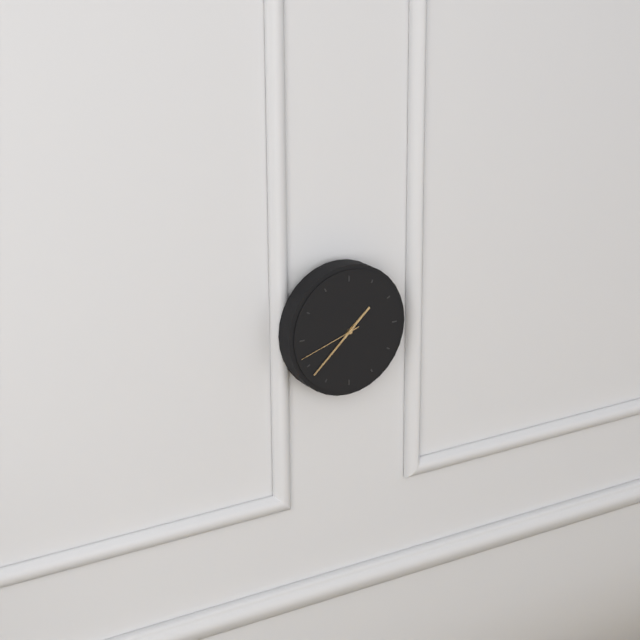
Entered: {"hour": 1, "minute": 38, "second": 42}
